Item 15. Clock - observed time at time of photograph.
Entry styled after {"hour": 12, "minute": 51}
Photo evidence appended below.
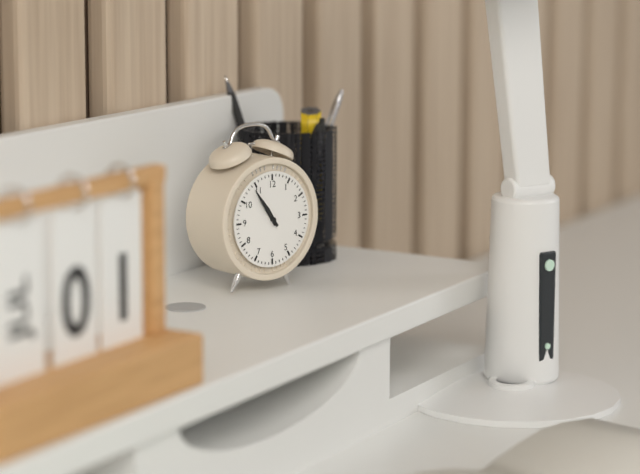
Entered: {"hour": 10, "minute": 54}
